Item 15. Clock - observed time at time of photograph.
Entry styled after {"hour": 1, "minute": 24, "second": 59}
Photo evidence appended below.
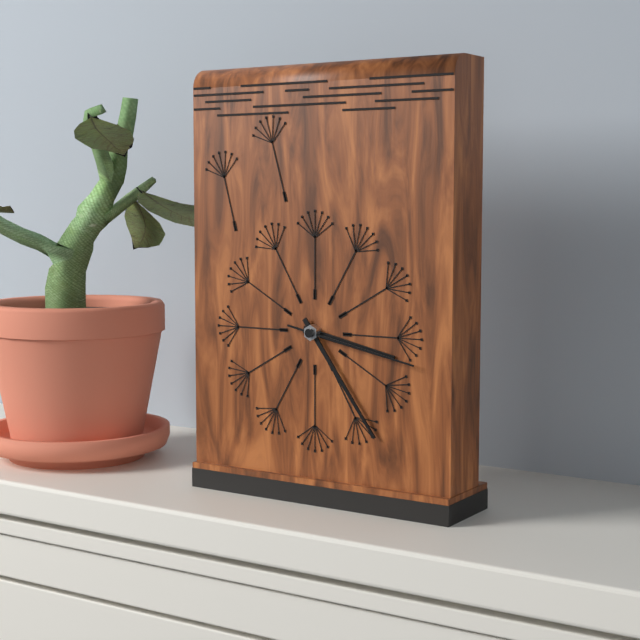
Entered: {"hour": 3, "minute": 24, "second": 17}
